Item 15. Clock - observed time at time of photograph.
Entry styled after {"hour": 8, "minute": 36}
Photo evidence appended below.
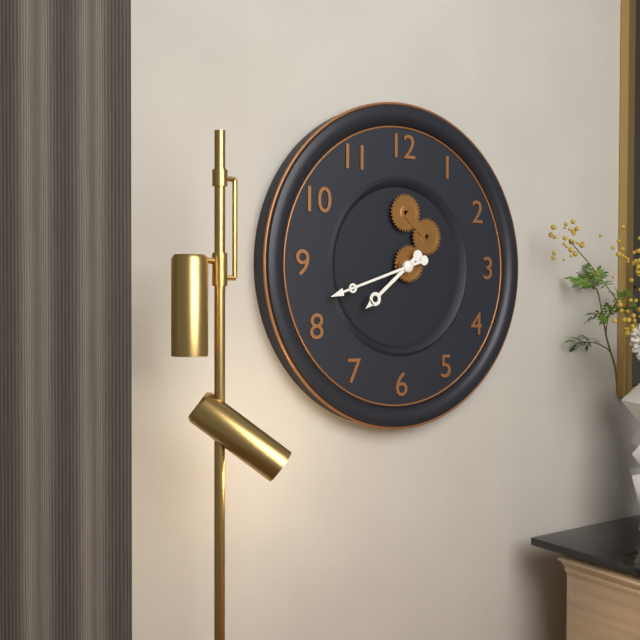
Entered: {"hour": 7, "minute": 42}
